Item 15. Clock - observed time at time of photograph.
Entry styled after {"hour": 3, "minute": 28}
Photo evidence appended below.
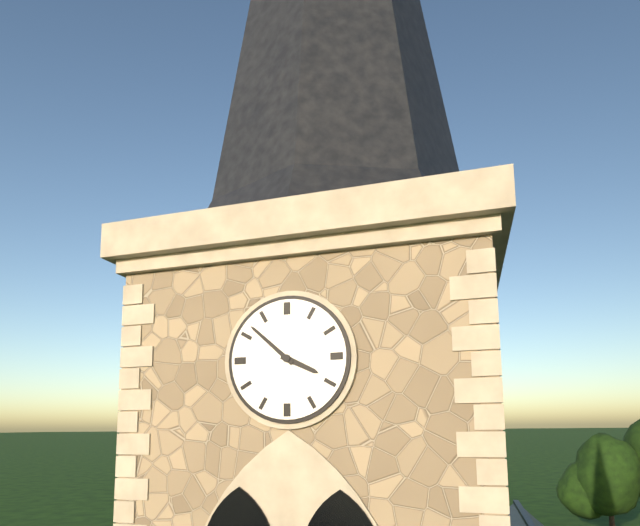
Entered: {"hour": 3, "minute": 52}
